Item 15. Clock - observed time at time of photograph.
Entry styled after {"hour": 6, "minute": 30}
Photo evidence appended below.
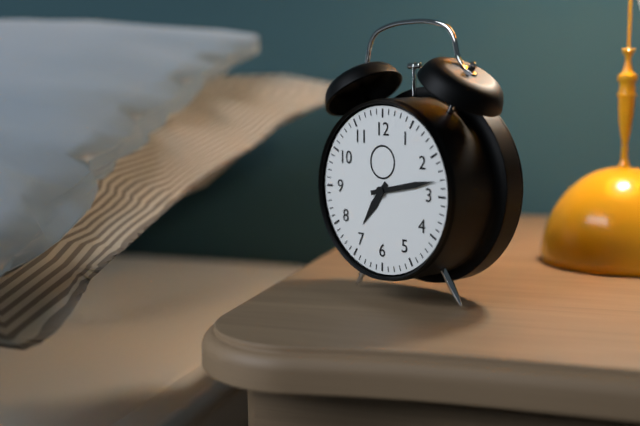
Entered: {"hour": 7, "minute": 13}
